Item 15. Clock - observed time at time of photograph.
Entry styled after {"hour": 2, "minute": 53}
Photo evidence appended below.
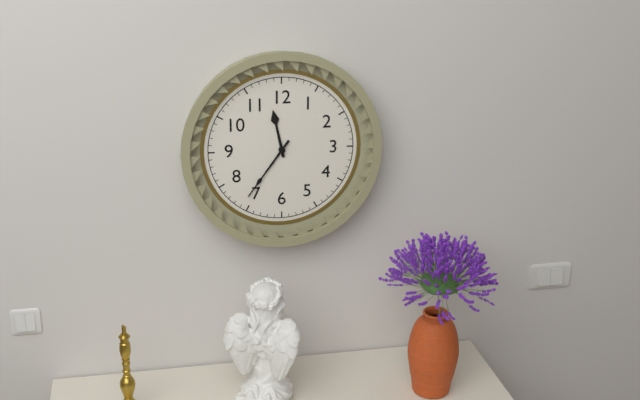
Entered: {"hour": 11, "minute": 36}
